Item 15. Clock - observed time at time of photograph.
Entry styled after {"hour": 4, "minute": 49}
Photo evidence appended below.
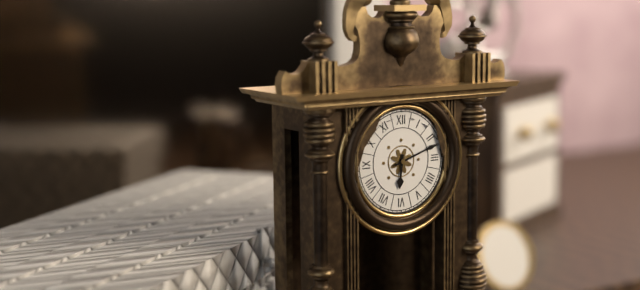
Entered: {"hour": 6, "minute": 12}
